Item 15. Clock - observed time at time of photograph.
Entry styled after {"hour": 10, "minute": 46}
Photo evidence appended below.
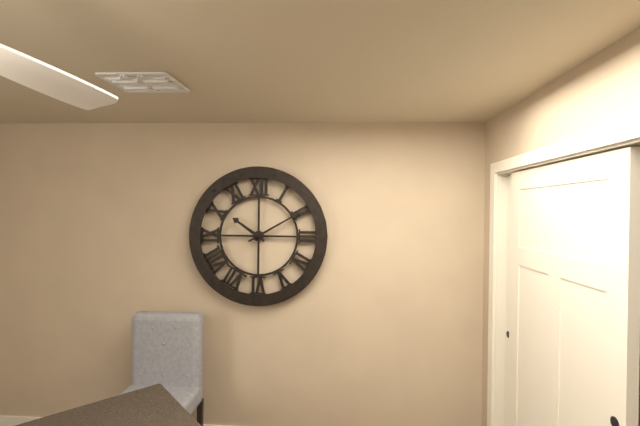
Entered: {"hour": 10, "minute": 10}
